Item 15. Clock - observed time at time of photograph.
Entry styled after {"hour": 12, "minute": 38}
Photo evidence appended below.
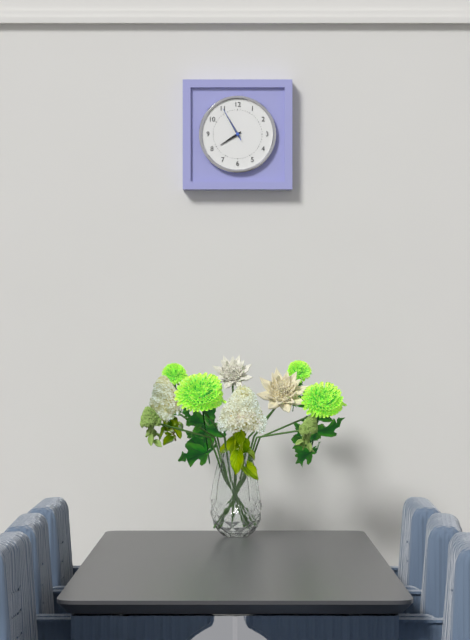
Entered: {"hour": 7, "minute": 55}
